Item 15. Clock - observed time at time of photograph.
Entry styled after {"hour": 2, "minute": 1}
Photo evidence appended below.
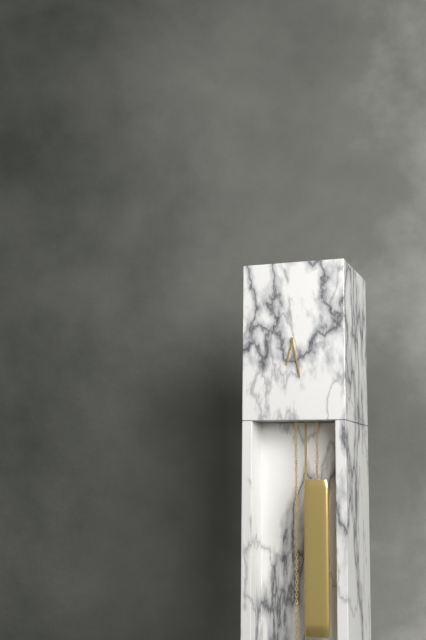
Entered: {"hour": 6, "minute": 28}
